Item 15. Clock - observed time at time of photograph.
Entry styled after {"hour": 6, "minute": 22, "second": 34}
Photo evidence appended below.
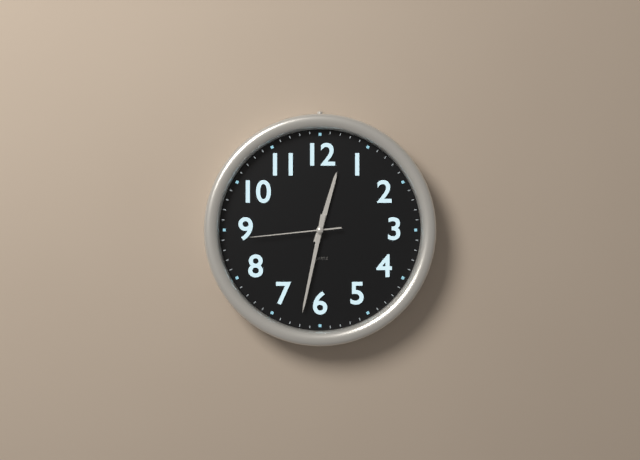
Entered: {"hour": 12, "minute": 32, "second": 44}
